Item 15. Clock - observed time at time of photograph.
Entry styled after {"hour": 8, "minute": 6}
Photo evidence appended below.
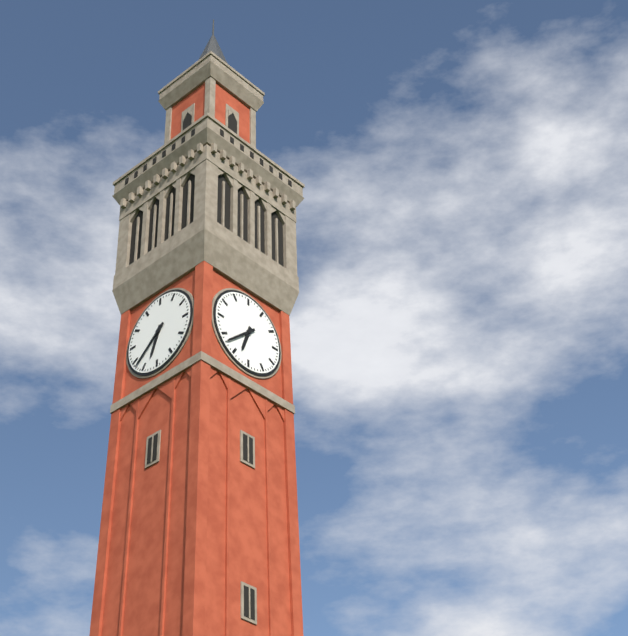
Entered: {"hour": 6, "minute": 38}
